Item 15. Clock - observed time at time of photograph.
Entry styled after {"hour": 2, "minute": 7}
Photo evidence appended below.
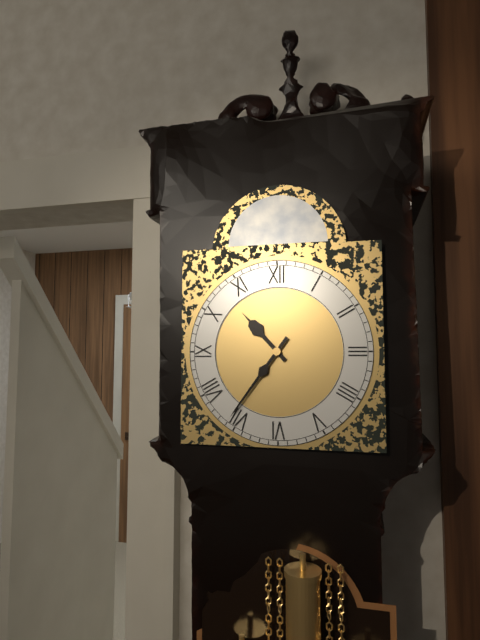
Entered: {"hour": 10, "minute": 36}
